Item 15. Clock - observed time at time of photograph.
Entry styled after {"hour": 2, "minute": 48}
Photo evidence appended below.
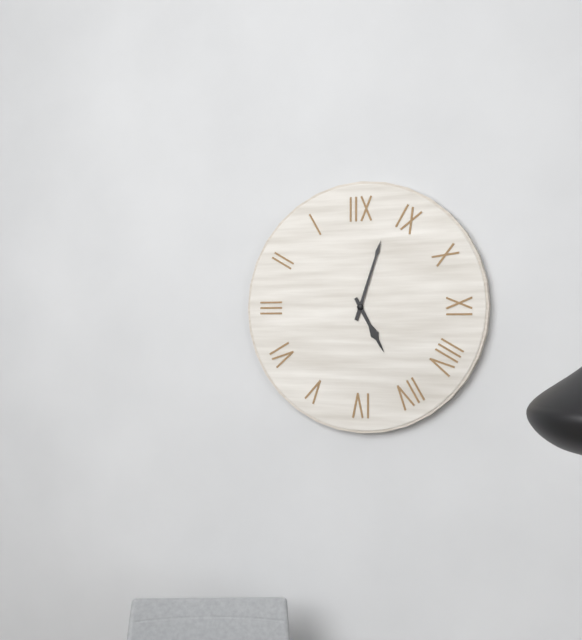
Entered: {"hour": 5, "minute": 3}
